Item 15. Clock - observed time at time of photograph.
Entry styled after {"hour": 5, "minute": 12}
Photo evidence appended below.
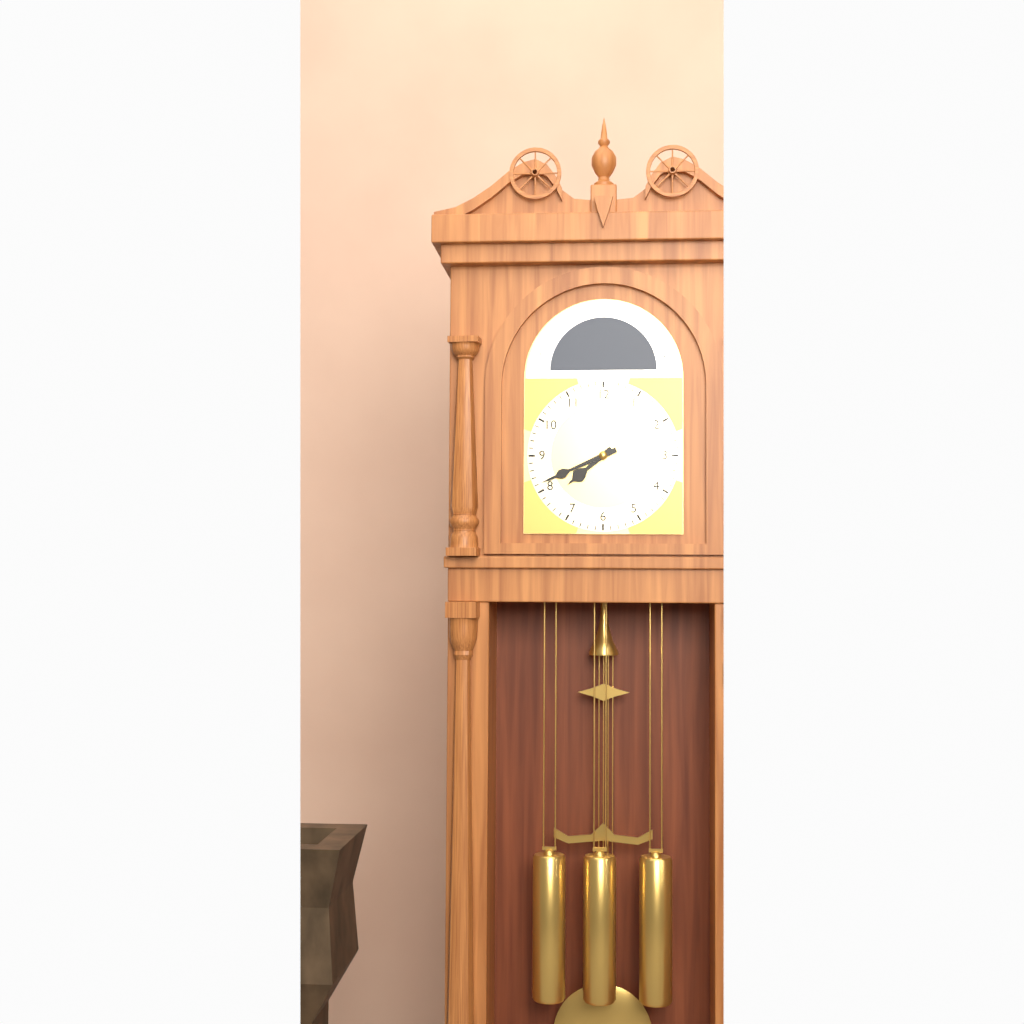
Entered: {"hour": 7, "minute": 41}
